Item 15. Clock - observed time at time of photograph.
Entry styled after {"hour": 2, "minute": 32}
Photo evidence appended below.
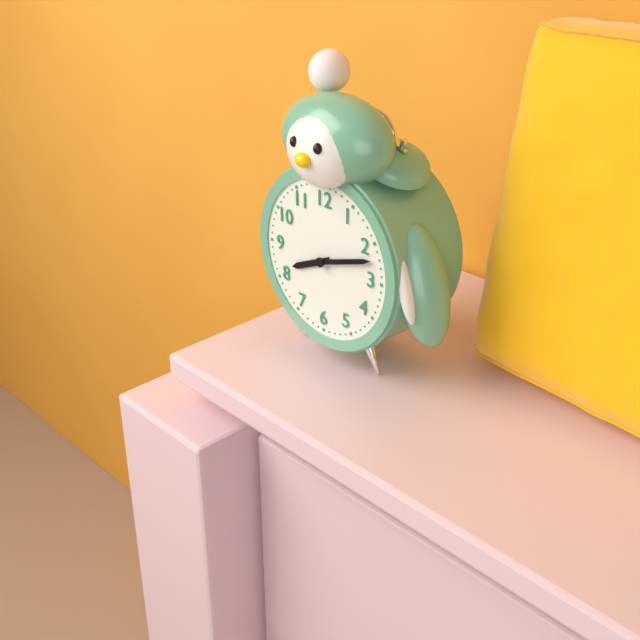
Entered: {"hour": 8, "minute": 12}
